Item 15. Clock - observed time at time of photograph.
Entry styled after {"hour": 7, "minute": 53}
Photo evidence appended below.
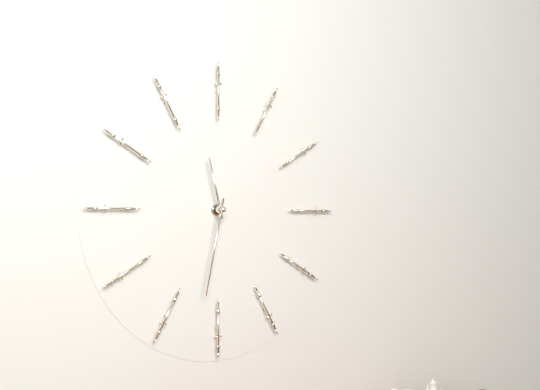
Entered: {"hour": 11, "minute": 32}
